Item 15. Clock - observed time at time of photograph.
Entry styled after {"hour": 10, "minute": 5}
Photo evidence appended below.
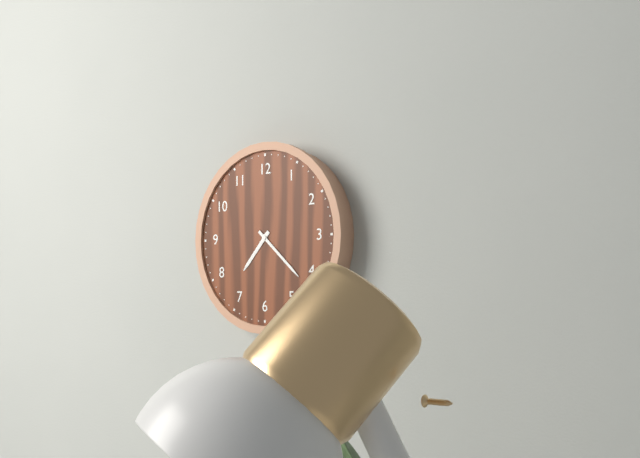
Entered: {"hour": 7, "minute": 22}
